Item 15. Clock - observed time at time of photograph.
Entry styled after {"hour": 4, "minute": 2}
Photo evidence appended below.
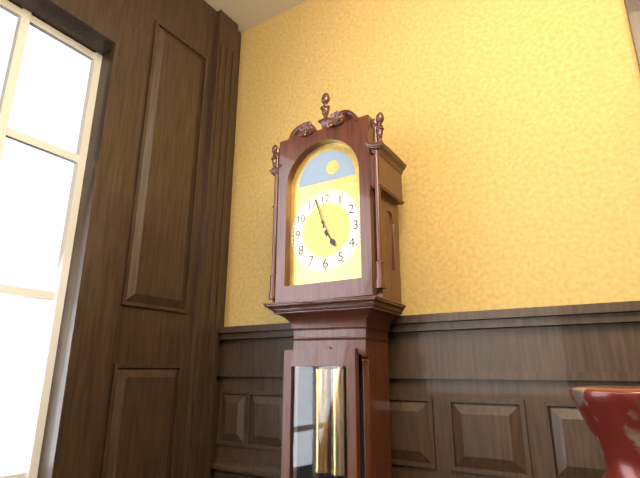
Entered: {"hour": 4, "minute": 57}
